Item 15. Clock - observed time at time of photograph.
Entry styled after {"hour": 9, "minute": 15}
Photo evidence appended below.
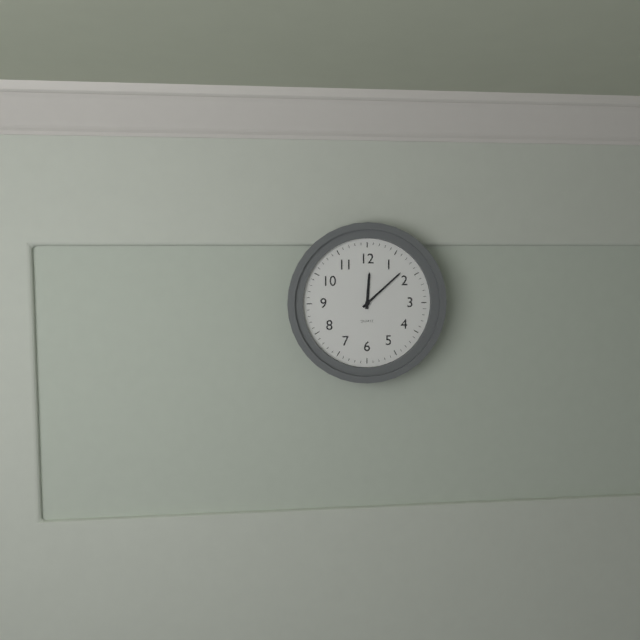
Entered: {"hour": 12, "minute": 8}
